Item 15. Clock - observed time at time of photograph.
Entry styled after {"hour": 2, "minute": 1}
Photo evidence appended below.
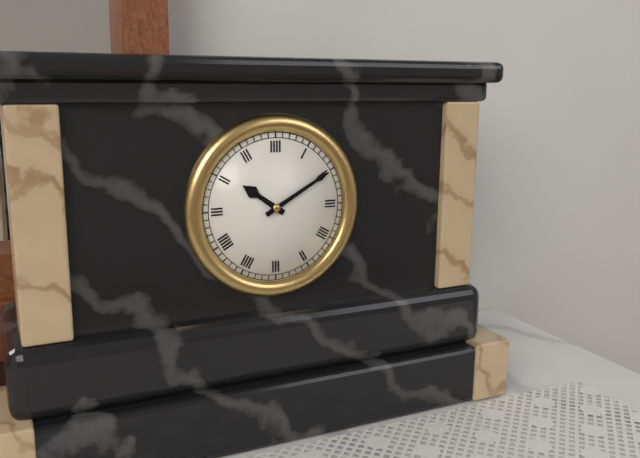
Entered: {"hour": 10, "minute": 10}
